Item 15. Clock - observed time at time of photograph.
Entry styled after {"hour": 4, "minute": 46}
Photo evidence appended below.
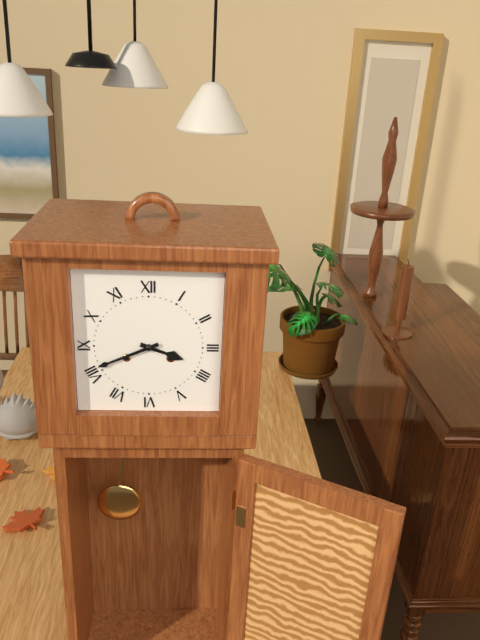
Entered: {"hour": 3, "minute": 41}
